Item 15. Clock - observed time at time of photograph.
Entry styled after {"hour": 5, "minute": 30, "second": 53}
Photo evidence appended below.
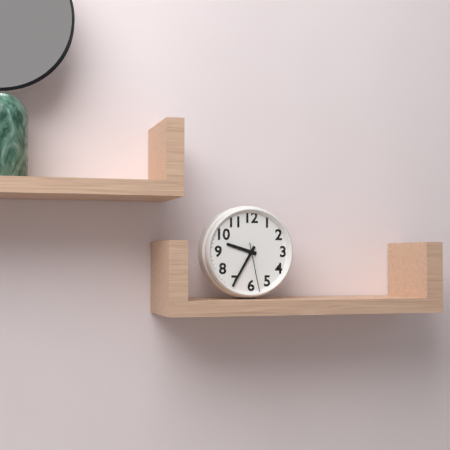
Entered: {"hour": 9, "minute": 35, "second": 28}
